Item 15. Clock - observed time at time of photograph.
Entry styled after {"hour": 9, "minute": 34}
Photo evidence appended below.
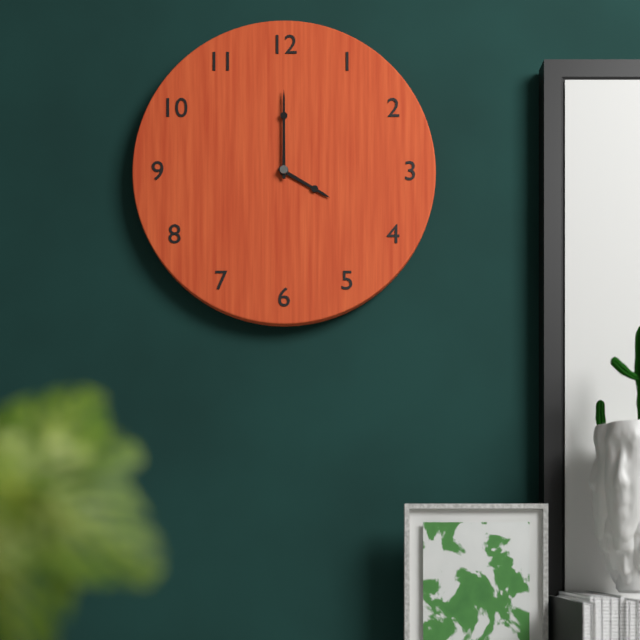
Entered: {"hour": 4, "minute": 0}
